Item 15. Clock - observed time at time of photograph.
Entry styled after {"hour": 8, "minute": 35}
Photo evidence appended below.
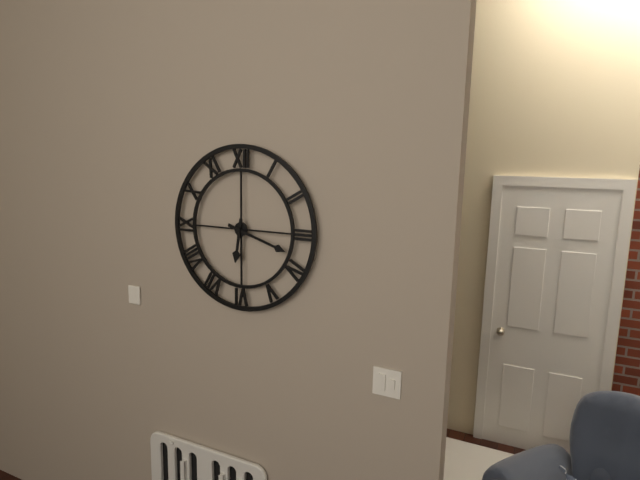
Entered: {"hour": 6, "minute": 18}
